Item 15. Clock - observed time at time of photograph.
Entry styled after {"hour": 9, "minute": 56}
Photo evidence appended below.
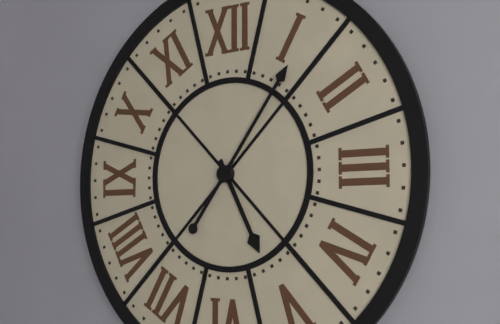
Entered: {"hour": 5, "minute": 6}
